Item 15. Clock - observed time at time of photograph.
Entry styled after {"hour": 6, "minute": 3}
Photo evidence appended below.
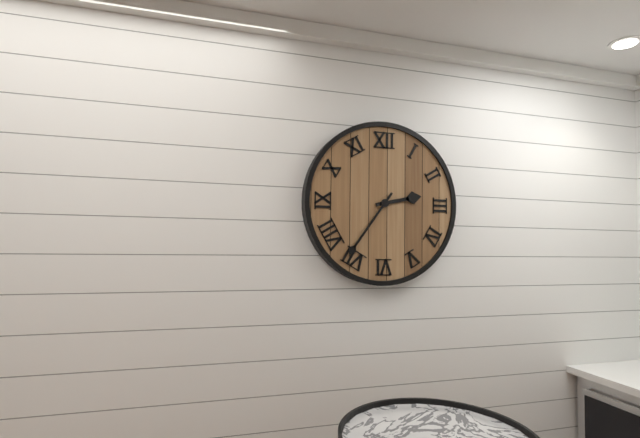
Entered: {"hour": 2, "minute": 36}
